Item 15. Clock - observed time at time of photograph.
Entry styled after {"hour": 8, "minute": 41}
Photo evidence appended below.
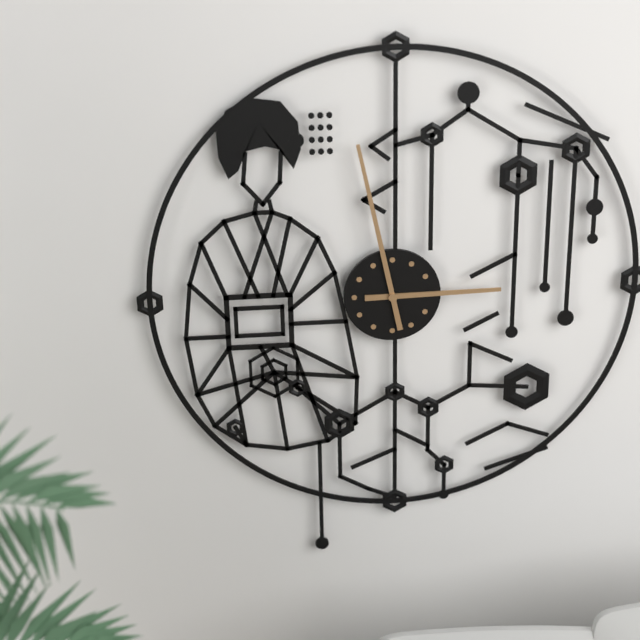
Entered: {"hour": 2, "minute": 58}
